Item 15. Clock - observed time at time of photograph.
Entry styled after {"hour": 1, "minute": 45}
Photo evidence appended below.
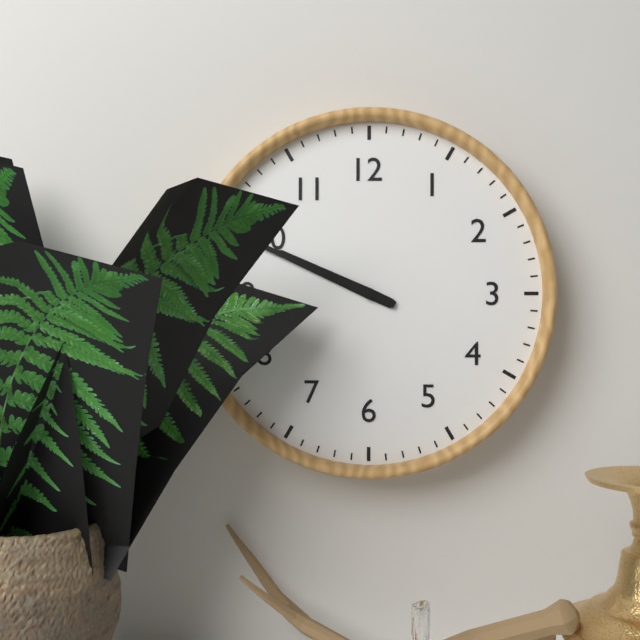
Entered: {"hour": 9, "minute": 49}
